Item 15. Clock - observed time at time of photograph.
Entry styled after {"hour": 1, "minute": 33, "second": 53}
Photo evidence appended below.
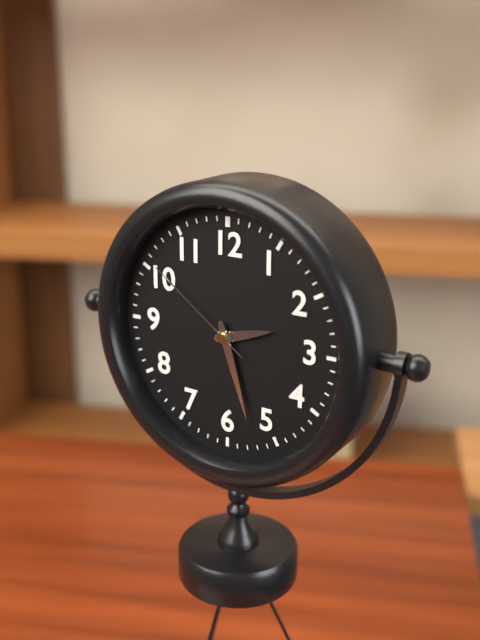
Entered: {"hour": 2, "minute": 27, "second": 51}
